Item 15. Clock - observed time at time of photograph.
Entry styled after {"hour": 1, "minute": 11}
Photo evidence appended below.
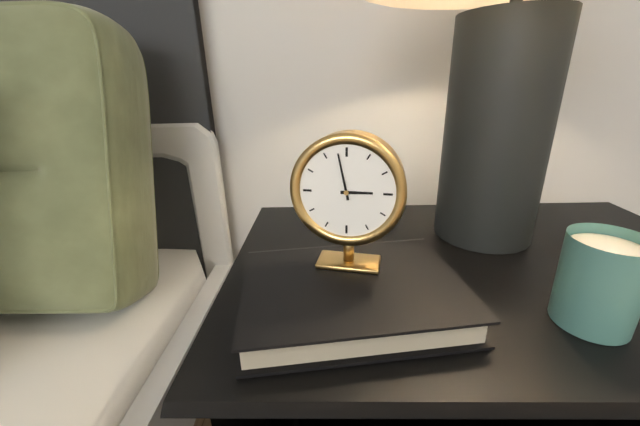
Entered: {"hour": 2, "minute": 58}
